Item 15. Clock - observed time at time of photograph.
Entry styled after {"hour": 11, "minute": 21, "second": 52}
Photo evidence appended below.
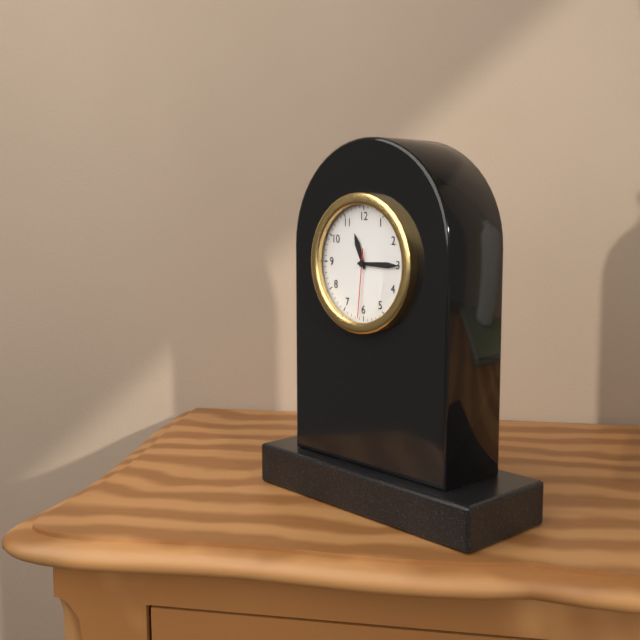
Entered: {"hour": 11, "minute": 15, "second": 31}
